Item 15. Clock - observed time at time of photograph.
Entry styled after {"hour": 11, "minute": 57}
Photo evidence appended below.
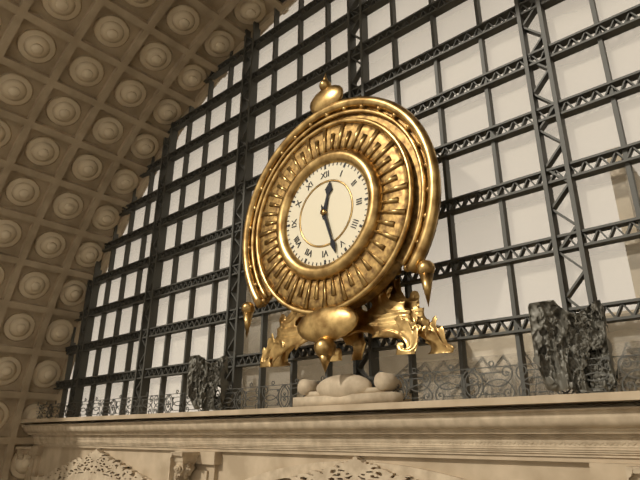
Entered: {"hour": 12, "minute": 27}
